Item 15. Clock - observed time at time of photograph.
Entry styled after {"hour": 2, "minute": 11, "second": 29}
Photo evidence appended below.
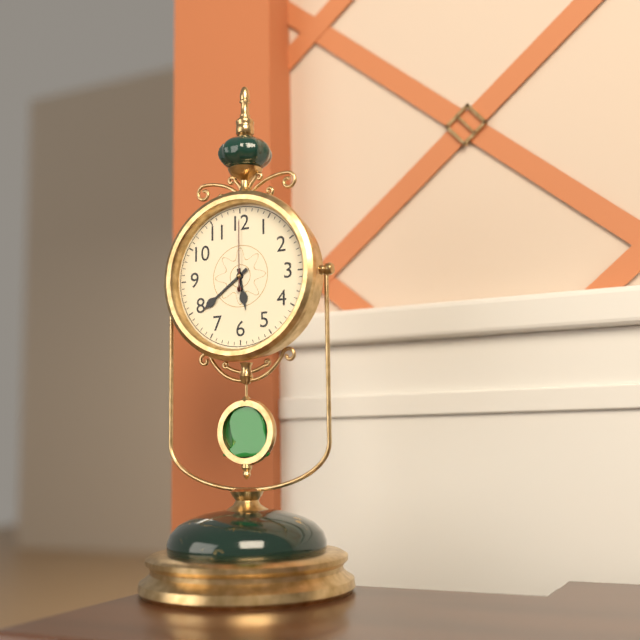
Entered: {"hour": 5, "minute": 39, "second": 0}
